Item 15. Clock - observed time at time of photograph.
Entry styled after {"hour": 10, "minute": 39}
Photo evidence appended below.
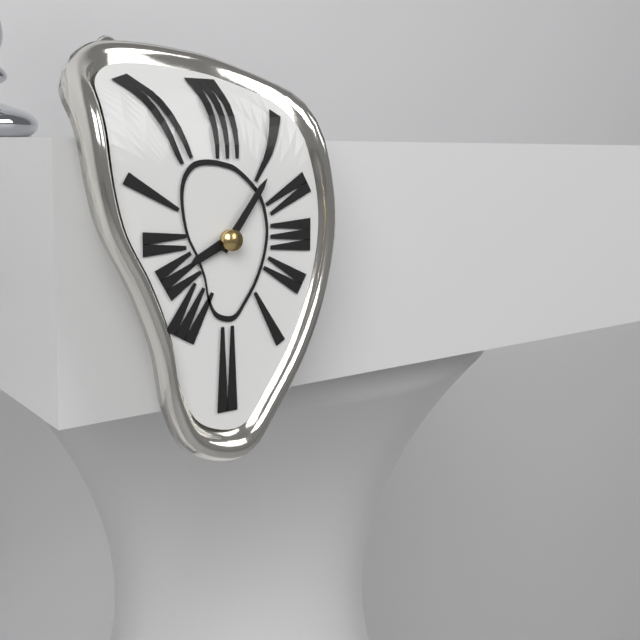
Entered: {"hour": 8, "minute": 6}
